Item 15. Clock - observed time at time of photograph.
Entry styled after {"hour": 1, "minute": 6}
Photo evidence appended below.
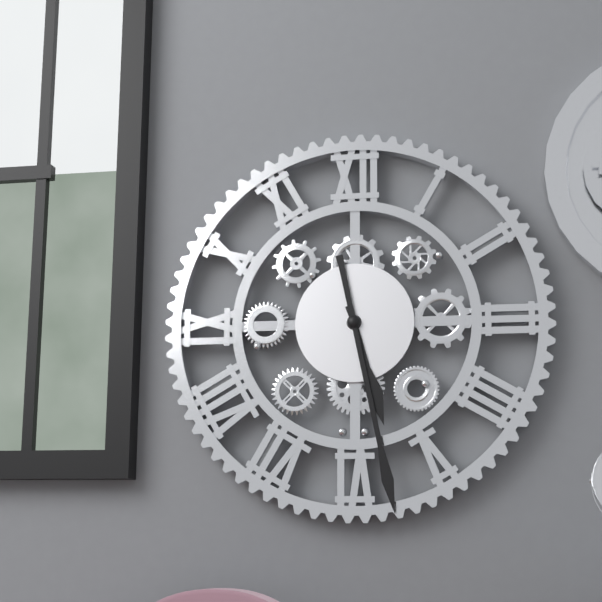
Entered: {"hour": 5, "minute": 28}
